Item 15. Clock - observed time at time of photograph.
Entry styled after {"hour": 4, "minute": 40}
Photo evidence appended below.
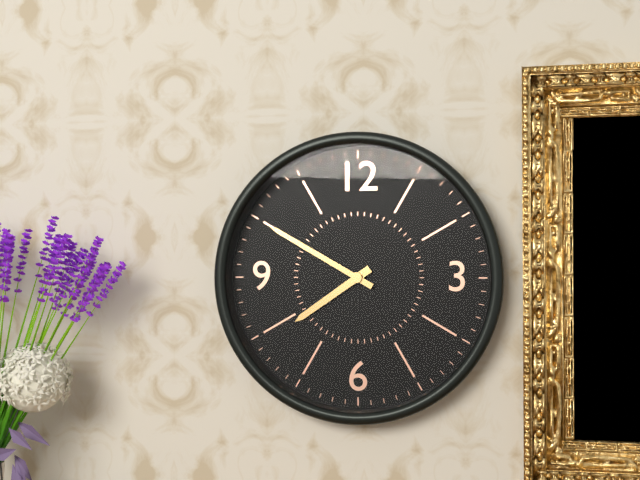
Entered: {"hour": 7, "minute": 50}
